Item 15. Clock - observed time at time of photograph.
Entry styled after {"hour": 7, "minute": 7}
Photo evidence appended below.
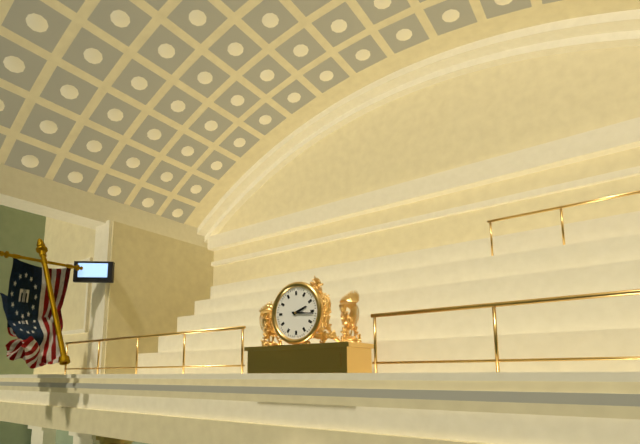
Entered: {"hour": 2, "minute": 16}
